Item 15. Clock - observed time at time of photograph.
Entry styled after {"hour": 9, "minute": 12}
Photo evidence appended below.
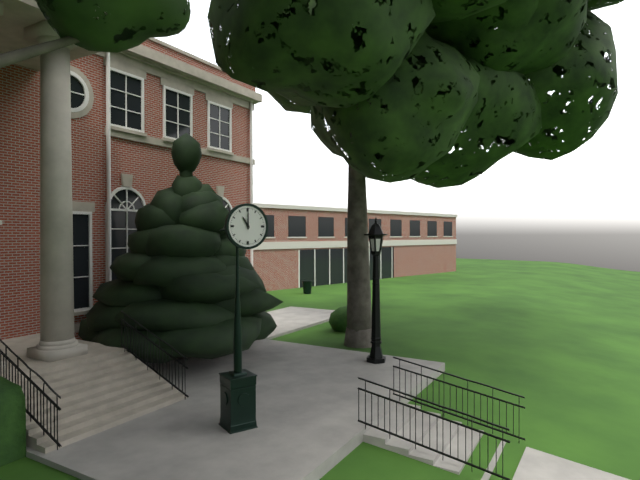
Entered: {"hour": 11, "minute": 0}
